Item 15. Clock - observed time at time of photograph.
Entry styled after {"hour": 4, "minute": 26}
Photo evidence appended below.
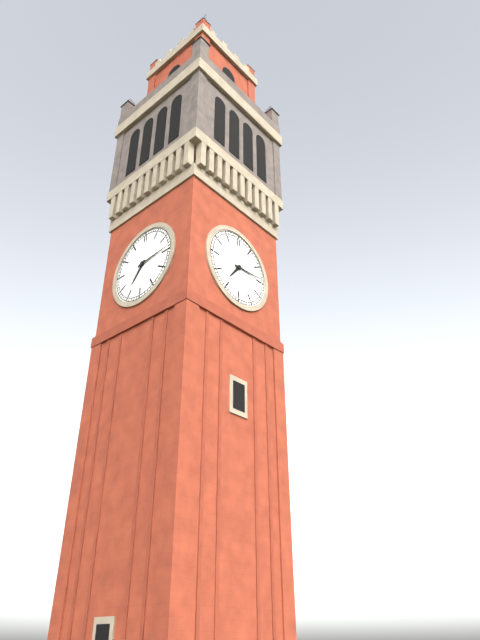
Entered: {"hour": 7, "minute": 14}
